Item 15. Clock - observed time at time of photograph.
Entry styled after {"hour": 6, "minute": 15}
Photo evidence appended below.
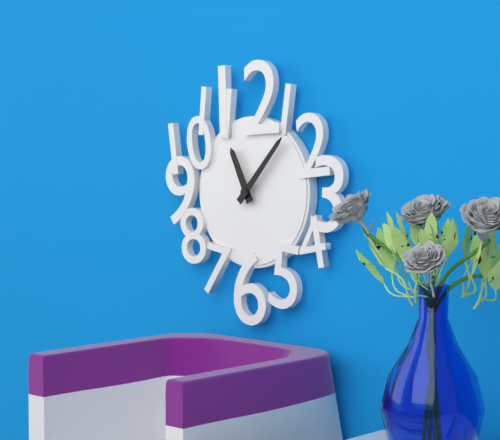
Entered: {"hour": 11, "minute": 7}
